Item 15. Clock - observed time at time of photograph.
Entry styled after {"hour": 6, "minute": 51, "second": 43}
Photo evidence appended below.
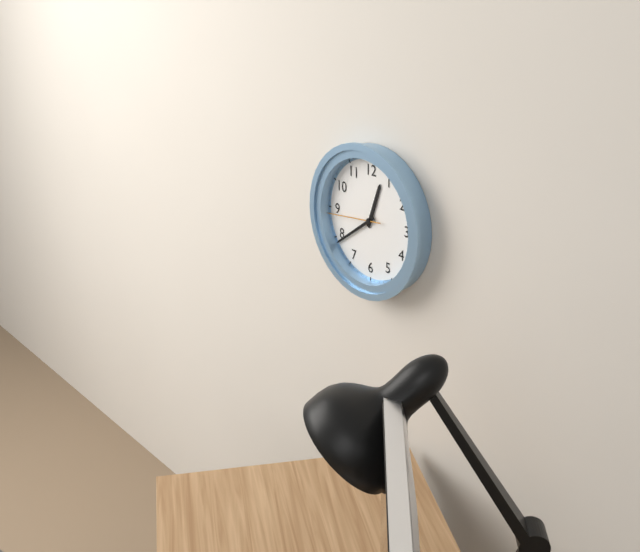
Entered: {"hour": 12, "minute": 39, "second": 44}
